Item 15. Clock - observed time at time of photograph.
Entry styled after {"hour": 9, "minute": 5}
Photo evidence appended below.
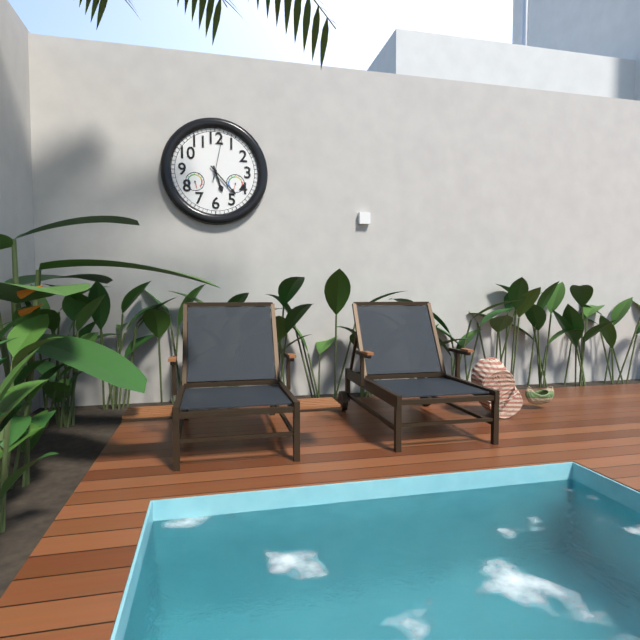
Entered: {"hour": 5, "minute": 23}
